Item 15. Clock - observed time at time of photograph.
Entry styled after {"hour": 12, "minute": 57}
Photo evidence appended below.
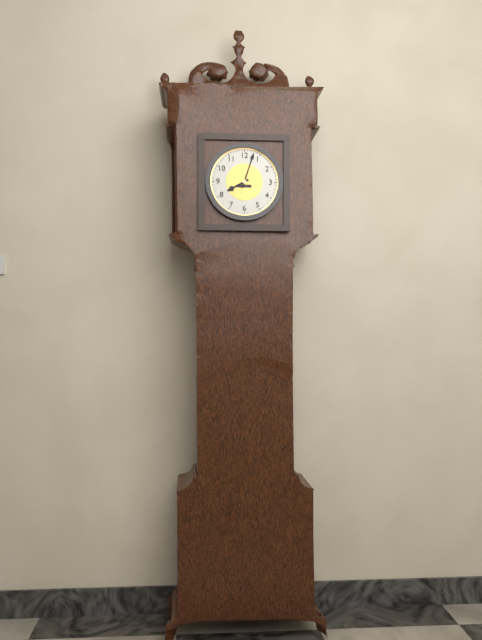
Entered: {"hour": 8, "minute": 3}
